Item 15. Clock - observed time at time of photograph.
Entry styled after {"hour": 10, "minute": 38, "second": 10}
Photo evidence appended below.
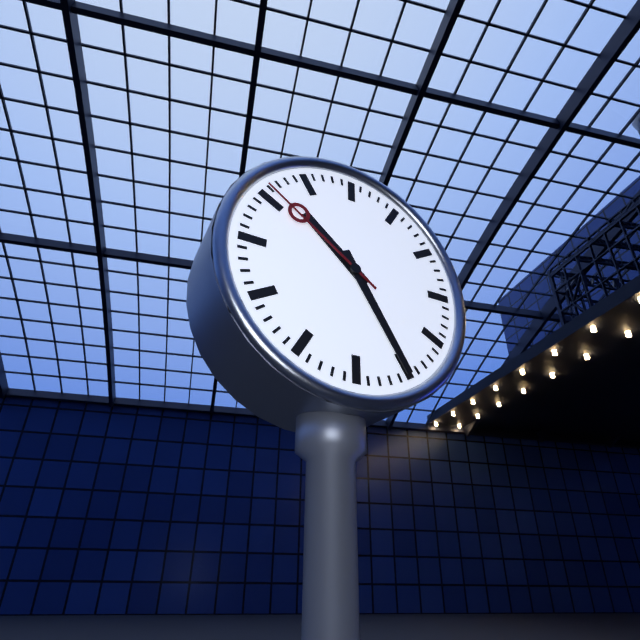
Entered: {"hour": 10, "minute": 25, "second": 51}
